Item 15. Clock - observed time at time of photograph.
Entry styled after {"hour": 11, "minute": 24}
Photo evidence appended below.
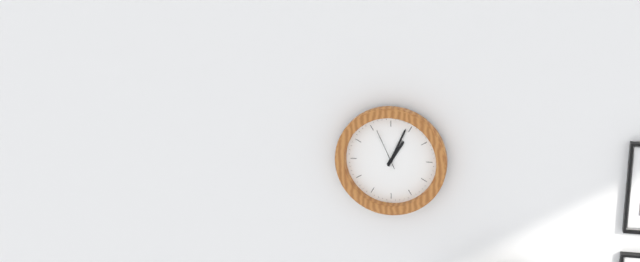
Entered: {"hour": 1, "minute": 4}
